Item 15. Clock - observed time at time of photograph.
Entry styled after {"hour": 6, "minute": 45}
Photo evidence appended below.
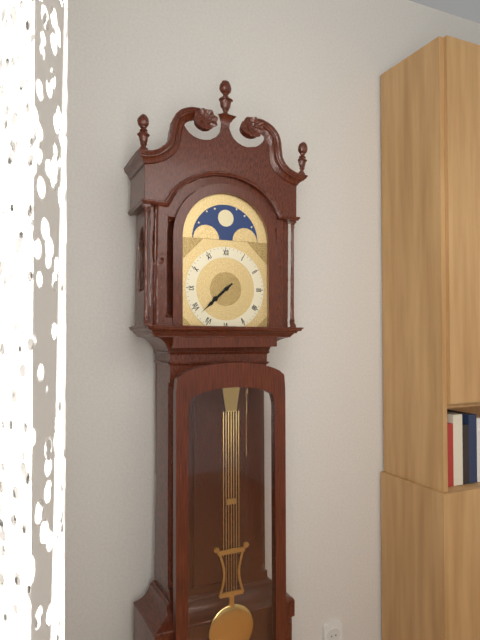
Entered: {"hour": 7, "minute": 38}
